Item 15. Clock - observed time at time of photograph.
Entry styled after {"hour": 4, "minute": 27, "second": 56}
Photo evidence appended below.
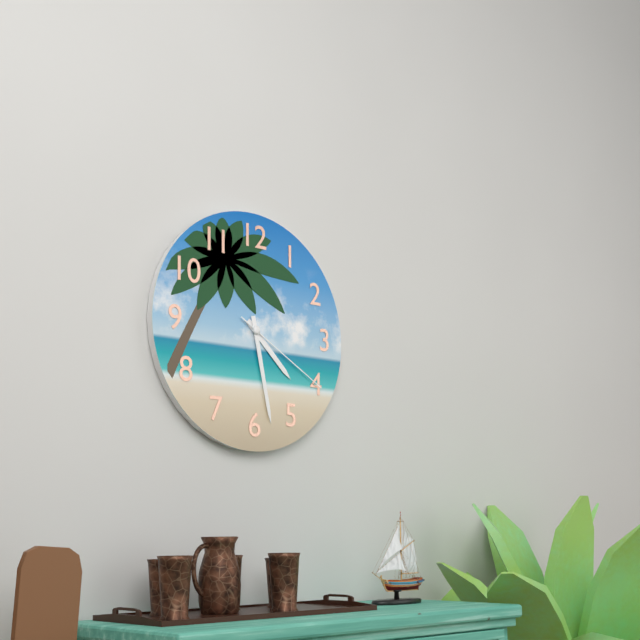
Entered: {"hour": 4, "minute": 28, "second": 20}
